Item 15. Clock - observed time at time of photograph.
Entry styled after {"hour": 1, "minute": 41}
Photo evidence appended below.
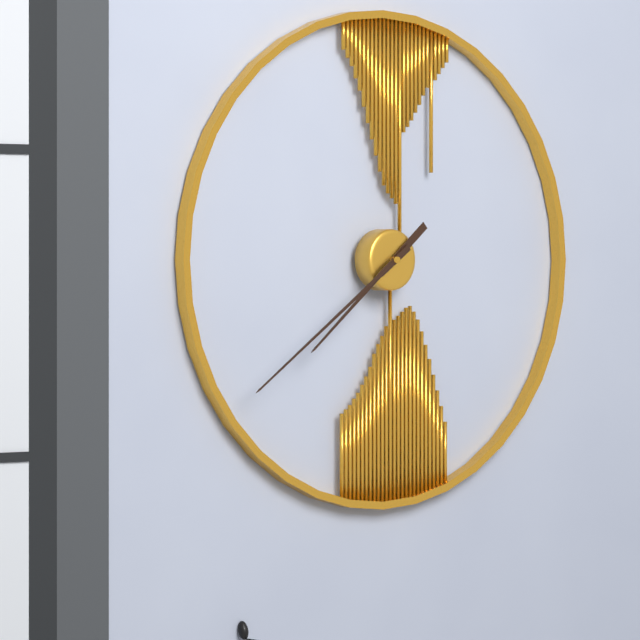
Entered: {"hour": 7, "minute": 39}
